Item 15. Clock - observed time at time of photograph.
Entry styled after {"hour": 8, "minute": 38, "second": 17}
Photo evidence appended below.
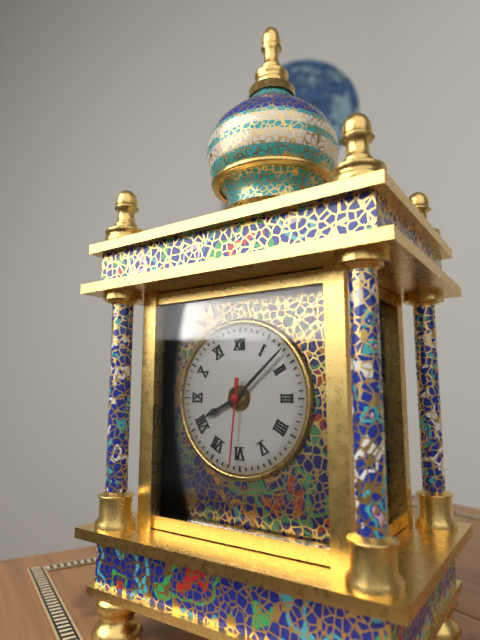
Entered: {"hour": 8, "minute": 8, "second": 31}
